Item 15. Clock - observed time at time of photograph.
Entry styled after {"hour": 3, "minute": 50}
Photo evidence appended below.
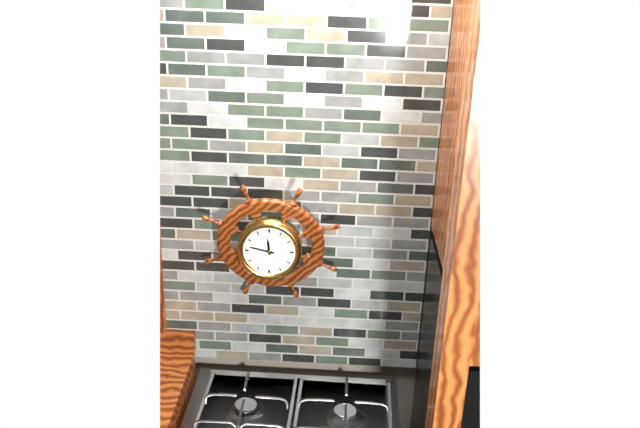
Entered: {"hour": 11, "minute": 47}
